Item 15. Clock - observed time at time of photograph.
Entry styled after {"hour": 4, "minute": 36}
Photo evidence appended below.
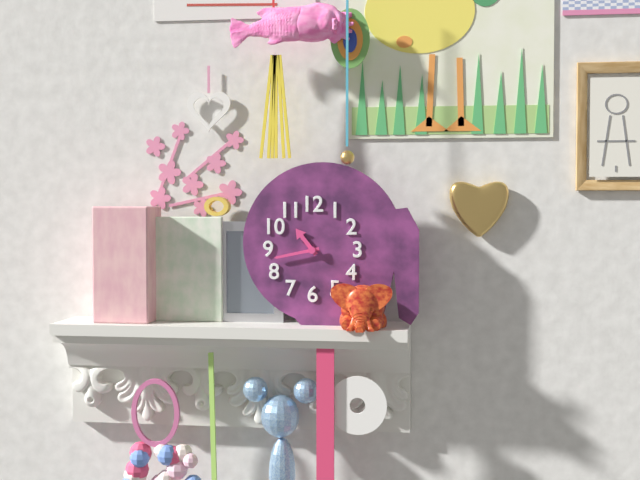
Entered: {"hour": 10, "minute": 43}
